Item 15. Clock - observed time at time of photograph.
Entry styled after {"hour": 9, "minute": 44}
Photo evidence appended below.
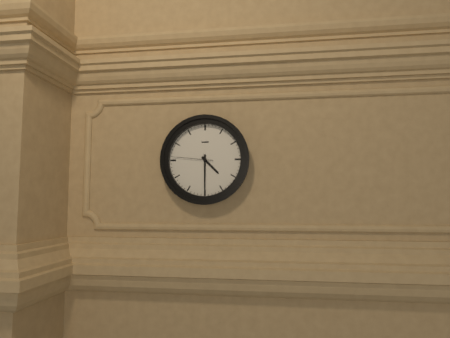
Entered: {"hour": 4, "minute": 30}
